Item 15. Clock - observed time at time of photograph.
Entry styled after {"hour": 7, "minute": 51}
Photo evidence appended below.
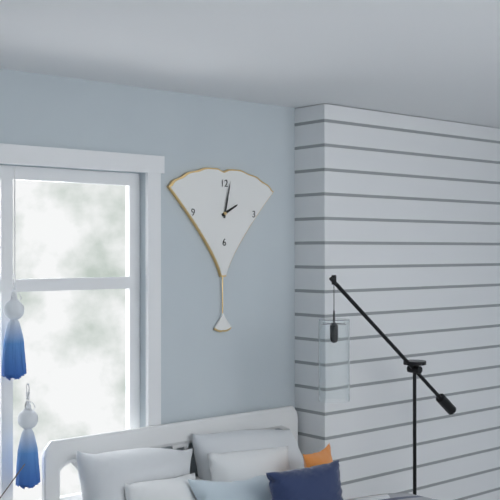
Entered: {"hour": 2, "minute": 2}
